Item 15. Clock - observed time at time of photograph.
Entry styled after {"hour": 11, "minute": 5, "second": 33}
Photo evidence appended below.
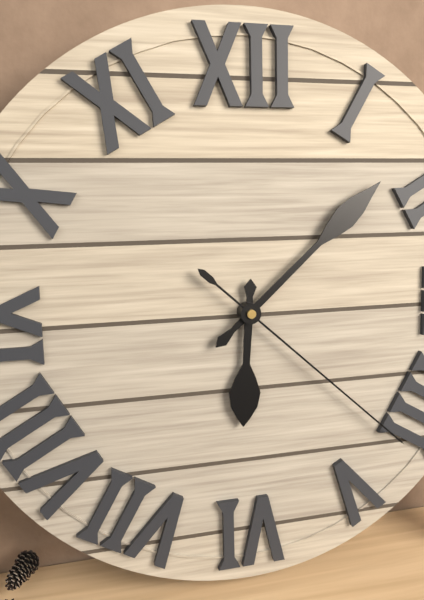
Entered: {"hour": 6, "minute": 8, "second": 22}
